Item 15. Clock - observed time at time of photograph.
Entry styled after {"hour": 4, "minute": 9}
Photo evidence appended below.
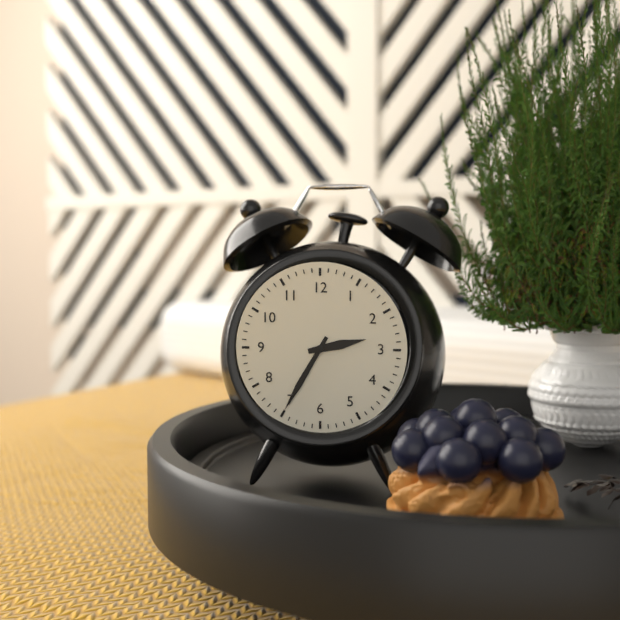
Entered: {"hour": 2, "minute": 35}
